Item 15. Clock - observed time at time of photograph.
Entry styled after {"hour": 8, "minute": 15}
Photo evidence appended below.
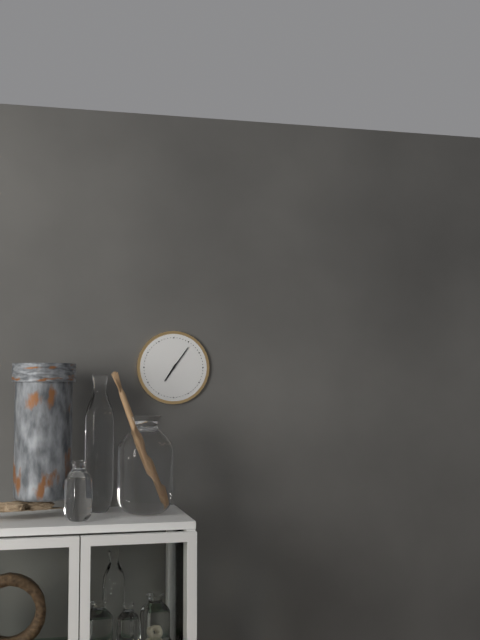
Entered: {"hour": 7, "minute": 6}
